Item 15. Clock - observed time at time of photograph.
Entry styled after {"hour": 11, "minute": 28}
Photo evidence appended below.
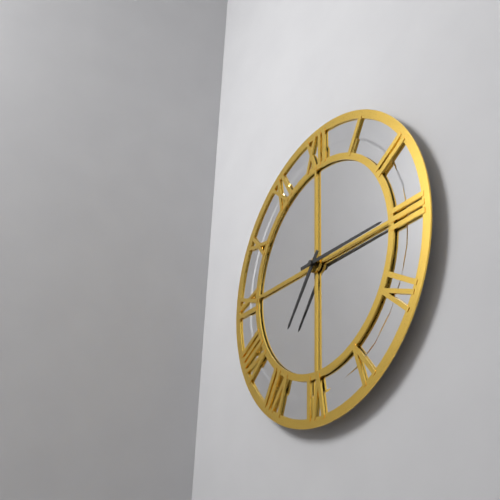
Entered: {"hour": 7, "minute": 15}
